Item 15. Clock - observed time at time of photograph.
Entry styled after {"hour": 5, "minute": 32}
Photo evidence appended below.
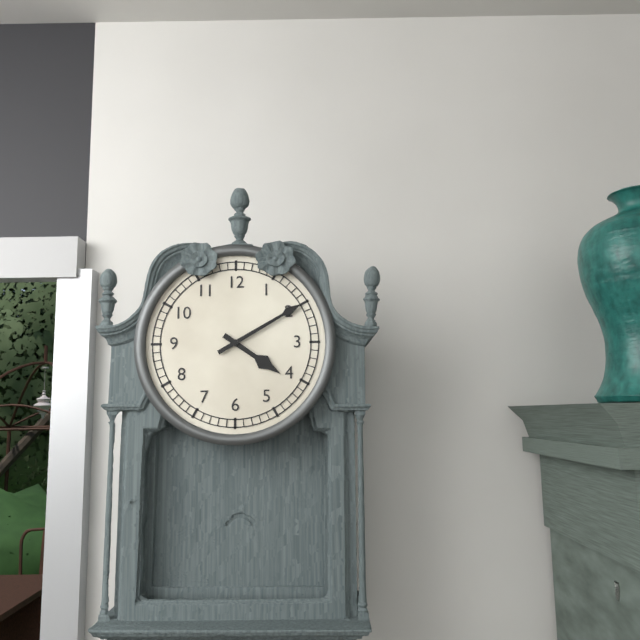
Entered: {"hour": 4, "minute": 10}
